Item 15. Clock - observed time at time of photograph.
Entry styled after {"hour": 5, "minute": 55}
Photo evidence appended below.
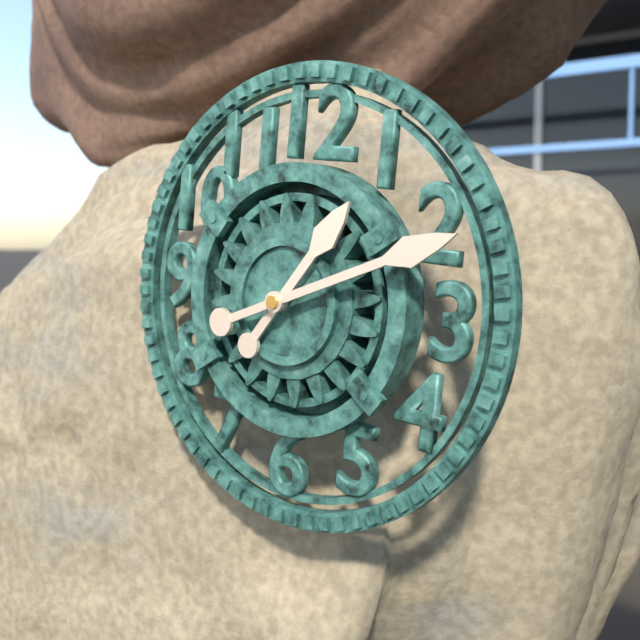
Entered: {"hour": 1, "minute": 11}
